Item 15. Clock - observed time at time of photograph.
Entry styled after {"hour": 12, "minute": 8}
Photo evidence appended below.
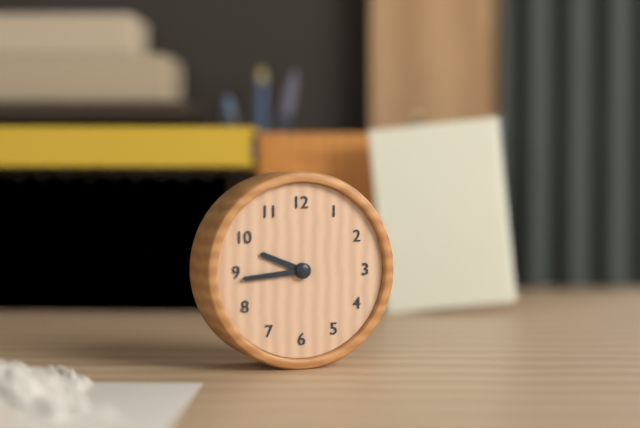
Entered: {"hour": 9, "minute": 44}
